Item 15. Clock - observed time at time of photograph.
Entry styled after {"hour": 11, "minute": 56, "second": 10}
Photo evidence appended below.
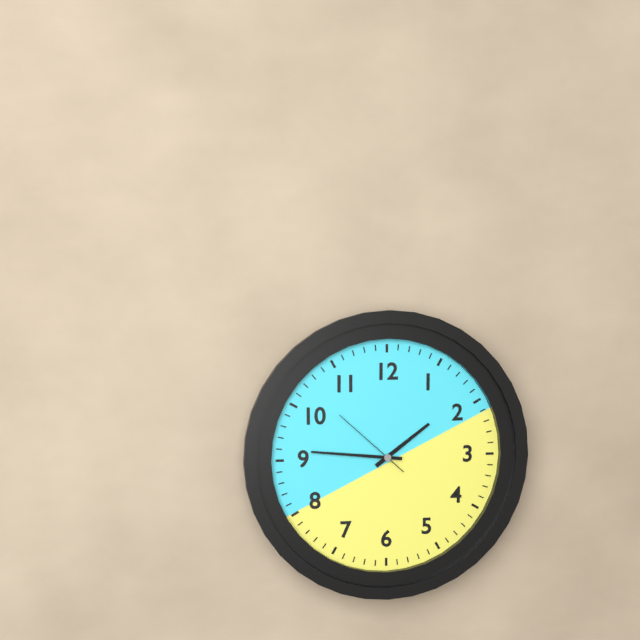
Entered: {"hour": 1, "minute": 46, "second": 52}
